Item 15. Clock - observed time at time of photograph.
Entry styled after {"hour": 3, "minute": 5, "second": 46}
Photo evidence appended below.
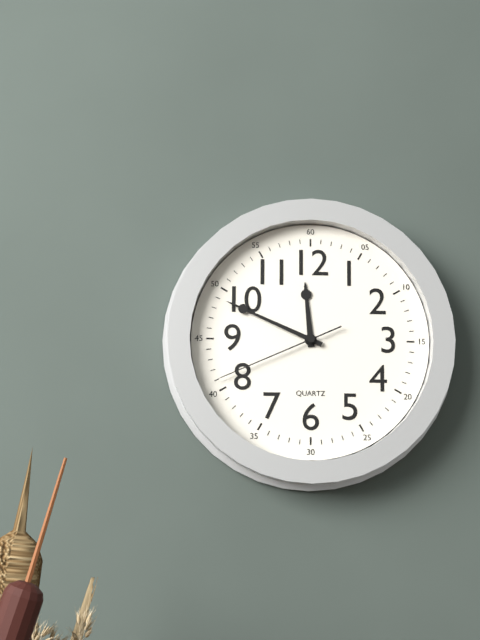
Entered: {"hour": 11, "minute": 49, "second": 41}
